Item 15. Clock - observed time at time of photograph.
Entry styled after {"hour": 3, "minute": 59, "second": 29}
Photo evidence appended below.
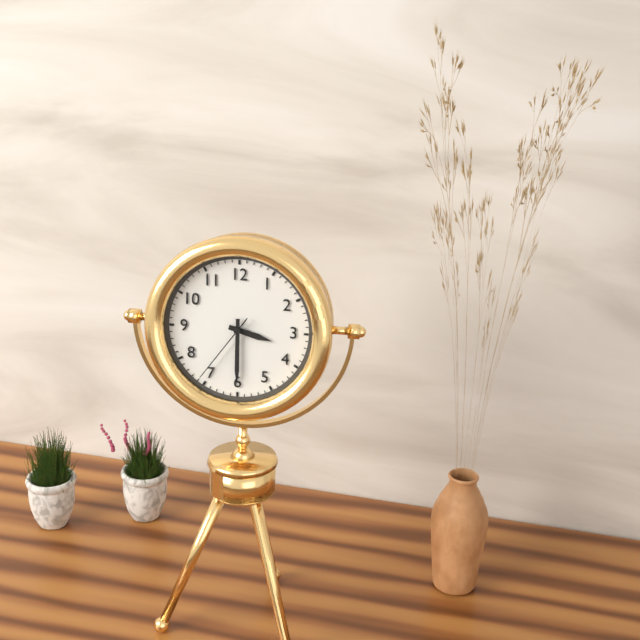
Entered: {"hour": 3, "minute": 30, "second": 36}
